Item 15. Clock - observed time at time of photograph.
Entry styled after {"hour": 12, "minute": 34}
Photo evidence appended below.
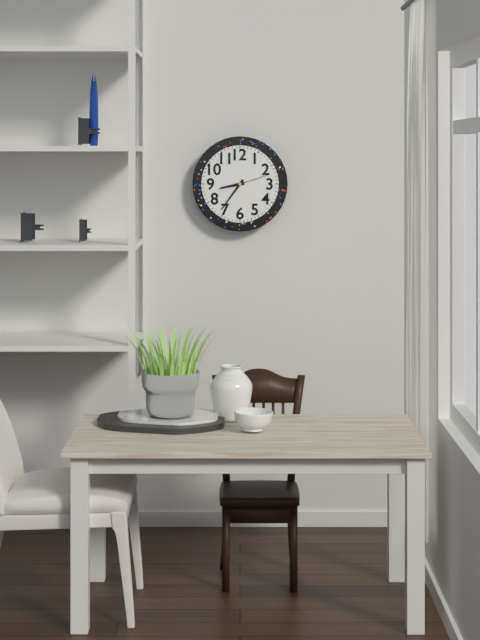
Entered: {"hour": 8, "minute": 36}
